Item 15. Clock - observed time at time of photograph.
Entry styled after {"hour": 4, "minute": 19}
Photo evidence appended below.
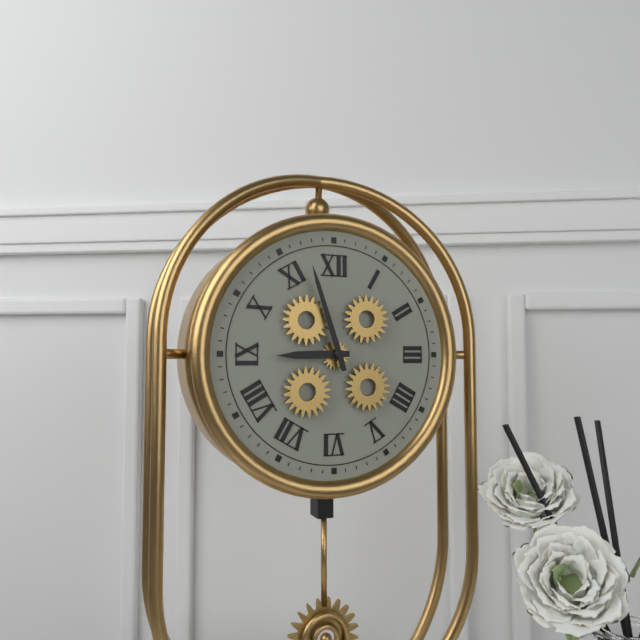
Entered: {"hour": 8, "minute": 57}
